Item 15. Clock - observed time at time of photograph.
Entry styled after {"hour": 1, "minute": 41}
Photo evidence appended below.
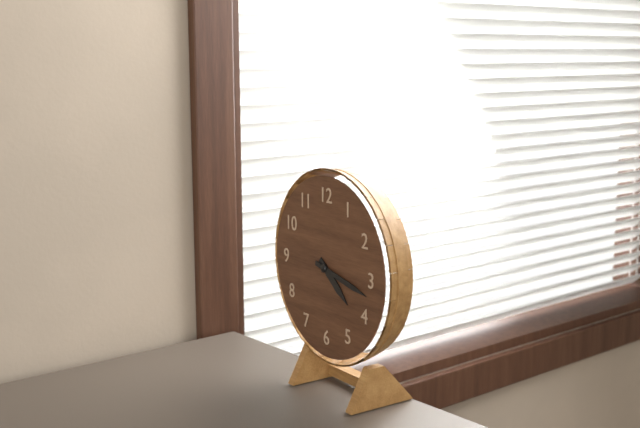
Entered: {"hour": 4, "minute": 17}
